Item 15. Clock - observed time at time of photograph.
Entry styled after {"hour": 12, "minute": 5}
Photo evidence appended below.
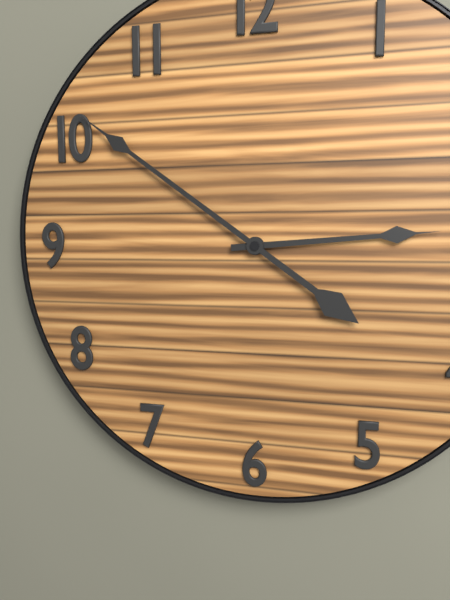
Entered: {"hour": 2, "minute": 51}
